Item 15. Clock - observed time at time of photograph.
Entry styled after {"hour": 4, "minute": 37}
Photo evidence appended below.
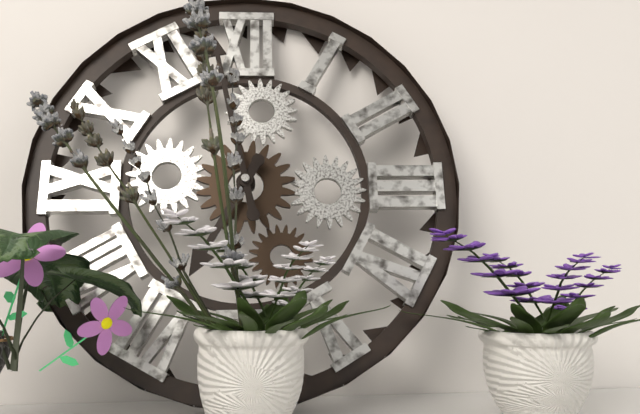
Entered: {"hour": 6, "minute": 58}
